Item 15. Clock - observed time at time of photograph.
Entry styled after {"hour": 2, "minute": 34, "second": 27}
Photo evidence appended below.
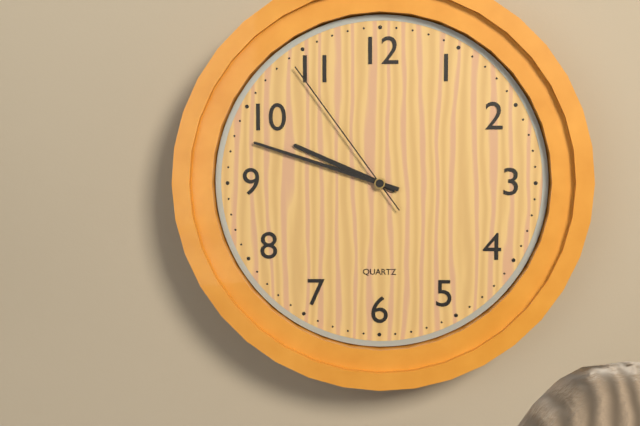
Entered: {"hour": 9, "minute": 48, "second": 54}
